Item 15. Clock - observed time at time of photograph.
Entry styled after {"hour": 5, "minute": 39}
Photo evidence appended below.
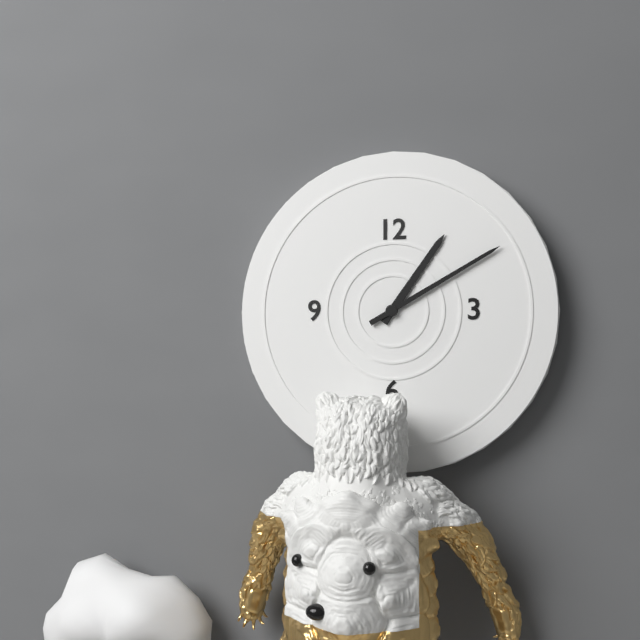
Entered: {"hour": 1, "minute": 10}
